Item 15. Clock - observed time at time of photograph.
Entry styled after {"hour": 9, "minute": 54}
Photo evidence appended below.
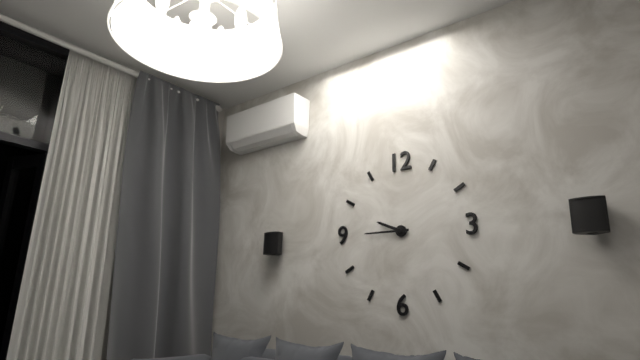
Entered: {"hour": 9, "minute": 45}
